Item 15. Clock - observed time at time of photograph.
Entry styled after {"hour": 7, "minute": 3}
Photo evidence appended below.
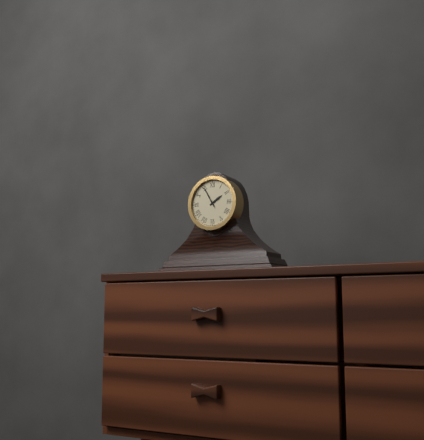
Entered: {"hour": 1, "minute": 55}
